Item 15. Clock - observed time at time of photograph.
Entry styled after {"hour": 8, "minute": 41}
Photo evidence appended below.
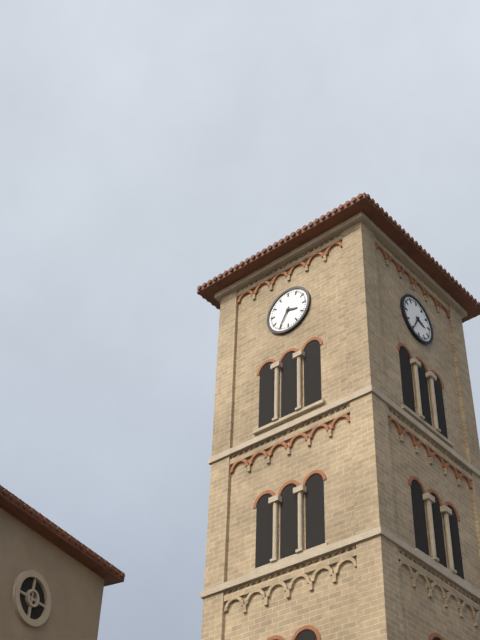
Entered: {"hour": 3, "minute": 35}
